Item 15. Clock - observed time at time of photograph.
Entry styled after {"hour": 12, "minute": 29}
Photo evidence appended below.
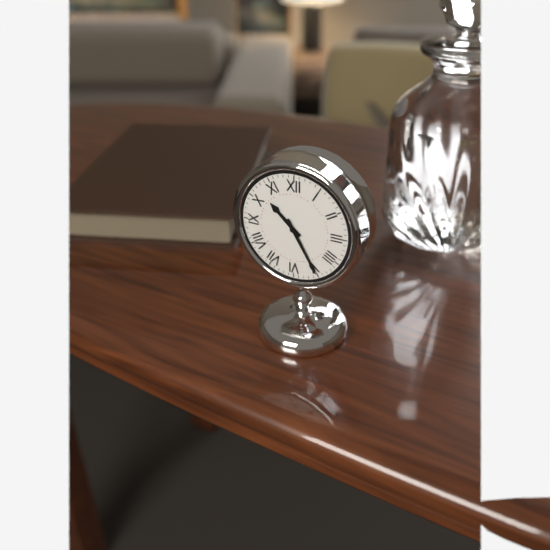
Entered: {"hour": 10, "minute": 25}
